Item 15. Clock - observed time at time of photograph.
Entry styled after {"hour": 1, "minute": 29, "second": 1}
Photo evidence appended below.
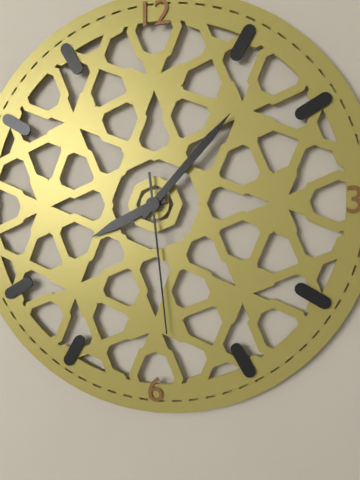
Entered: {"hour": 8, "minute": 7, "second": 29}
